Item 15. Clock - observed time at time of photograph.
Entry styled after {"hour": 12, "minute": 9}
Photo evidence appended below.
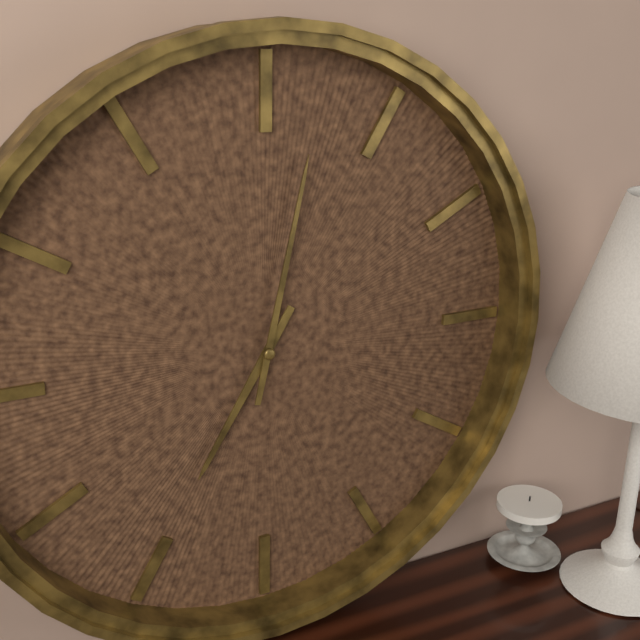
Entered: {"hour": 7, "minute": 2}
